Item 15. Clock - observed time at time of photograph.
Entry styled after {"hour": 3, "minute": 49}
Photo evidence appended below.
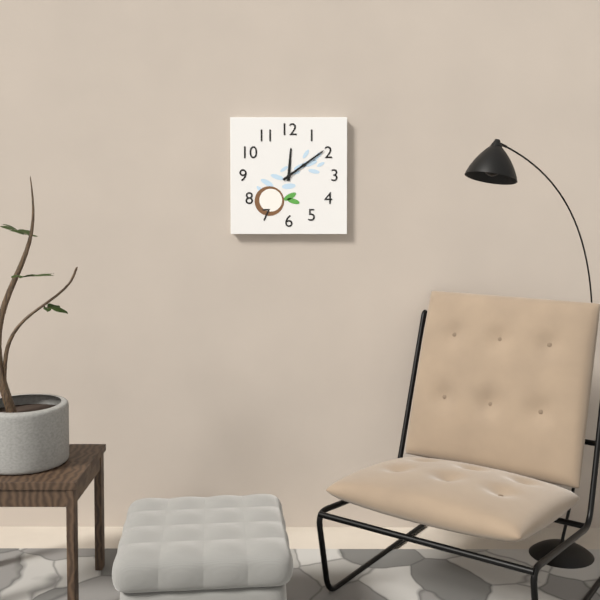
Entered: {"hour": 12, "minute": 9}
